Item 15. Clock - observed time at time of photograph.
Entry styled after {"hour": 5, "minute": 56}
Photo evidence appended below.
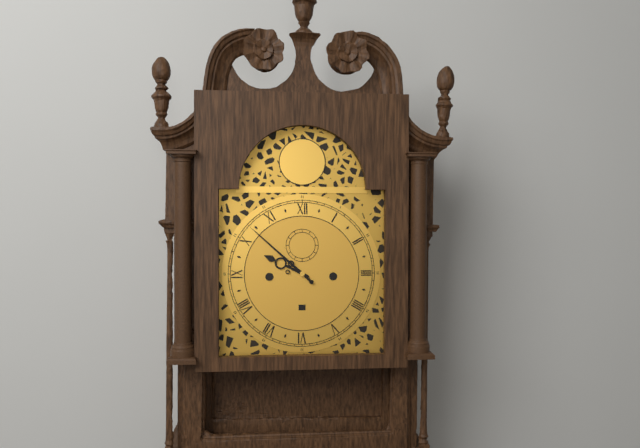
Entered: {"hour": 9, "minute": 52}
